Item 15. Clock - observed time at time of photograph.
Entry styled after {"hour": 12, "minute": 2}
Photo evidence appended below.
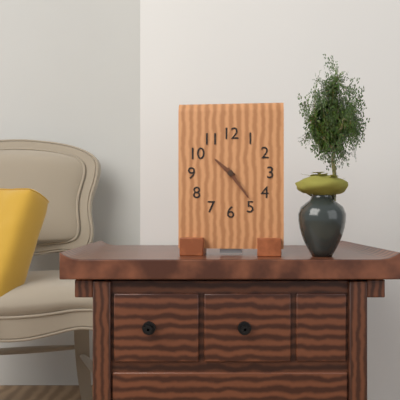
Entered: {"hour": 10, "minute": 24}
